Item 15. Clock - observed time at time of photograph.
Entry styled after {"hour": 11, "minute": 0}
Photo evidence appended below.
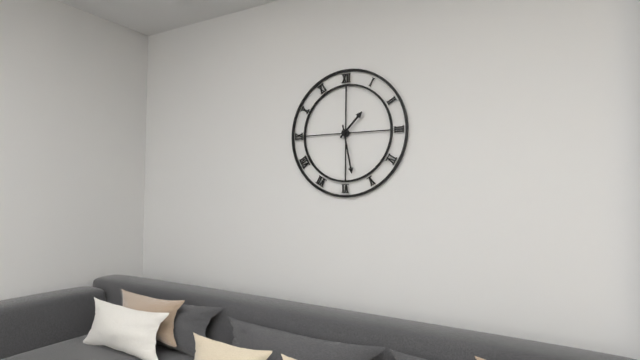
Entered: {"hour": 1, "minute": 28}
